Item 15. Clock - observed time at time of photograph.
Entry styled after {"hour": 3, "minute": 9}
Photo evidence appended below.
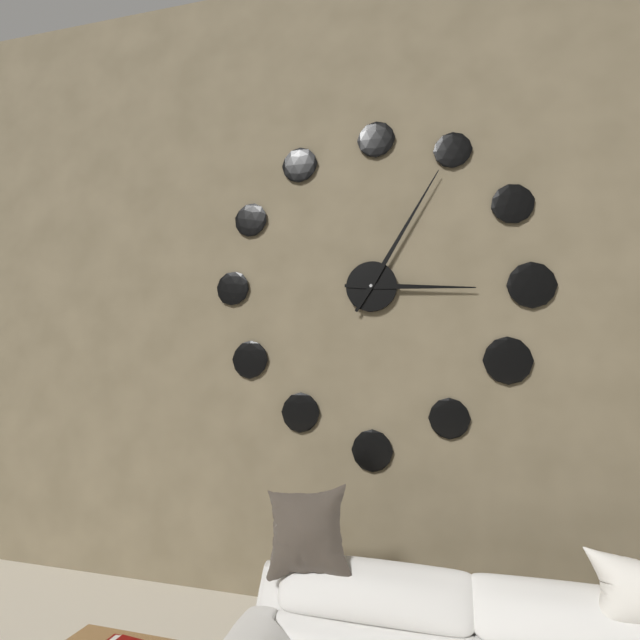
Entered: {"hour": 3, "minute": 5}
